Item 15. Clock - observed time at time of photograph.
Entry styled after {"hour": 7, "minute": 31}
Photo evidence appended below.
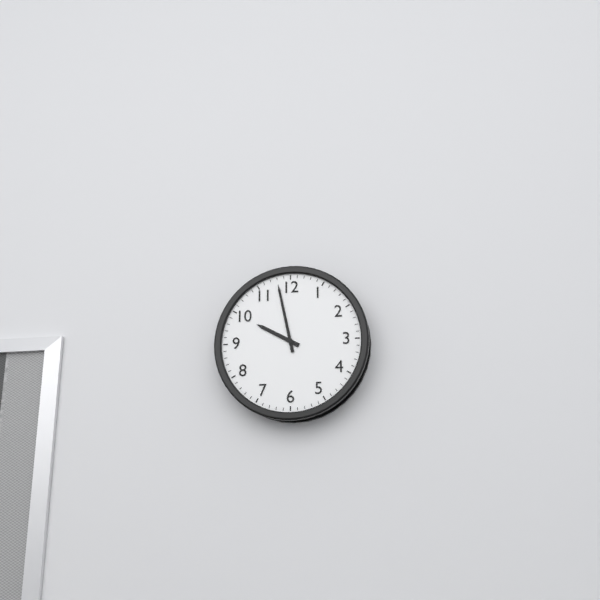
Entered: {"hour": 9, "minute": 58}
